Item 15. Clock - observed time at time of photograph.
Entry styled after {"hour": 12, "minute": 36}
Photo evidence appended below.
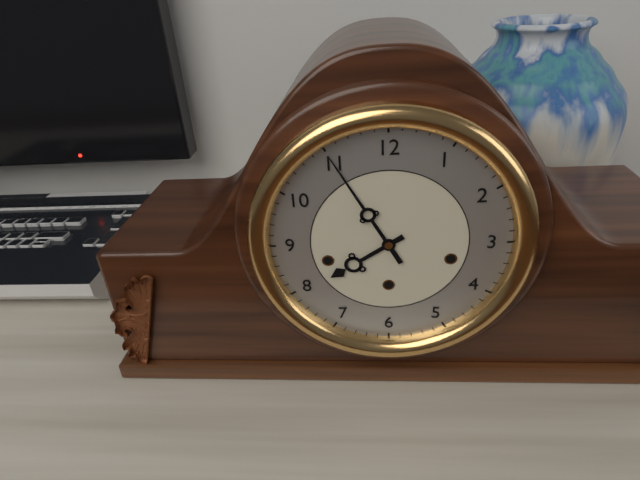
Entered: {"hour": 7, "minute": 55}
